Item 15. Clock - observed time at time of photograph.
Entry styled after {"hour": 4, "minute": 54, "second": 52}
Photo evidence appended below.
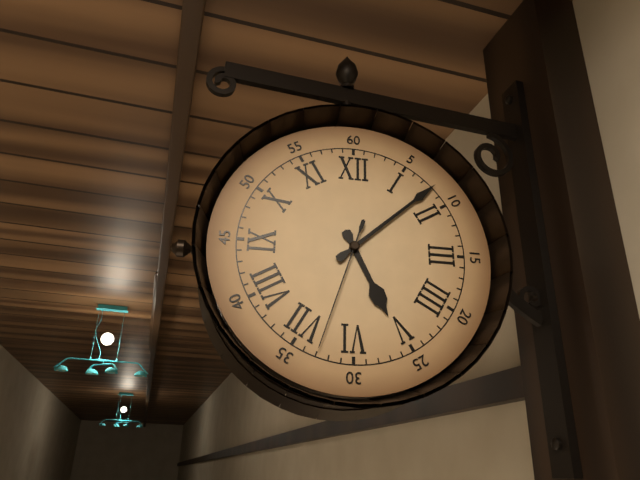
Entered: {"hour": 5, "minute": 8, "second": 33}
